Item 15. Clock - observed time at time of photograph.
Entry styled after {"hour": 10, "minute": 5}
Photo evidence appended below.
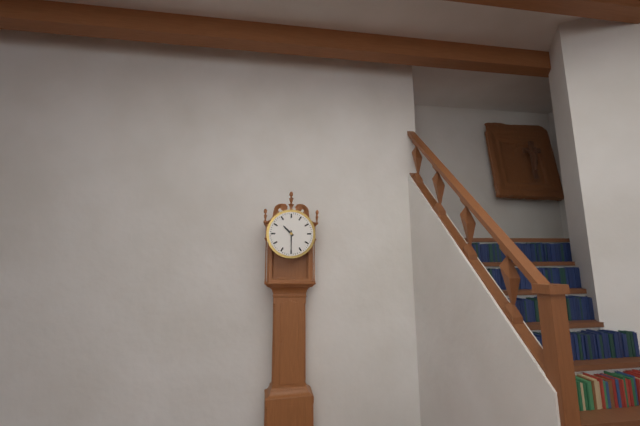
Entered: {"hour": 10, "minute": 30}
